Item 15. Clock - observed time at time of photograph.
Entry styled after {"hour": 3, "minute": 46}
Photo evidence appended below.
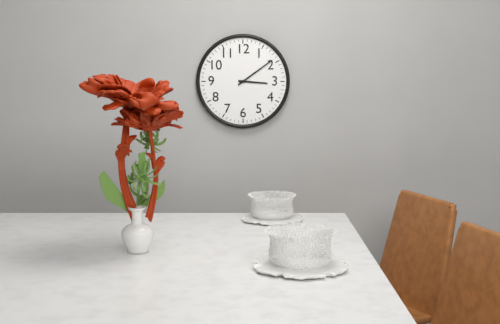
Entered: {"hour": 3, "minute": 9}
